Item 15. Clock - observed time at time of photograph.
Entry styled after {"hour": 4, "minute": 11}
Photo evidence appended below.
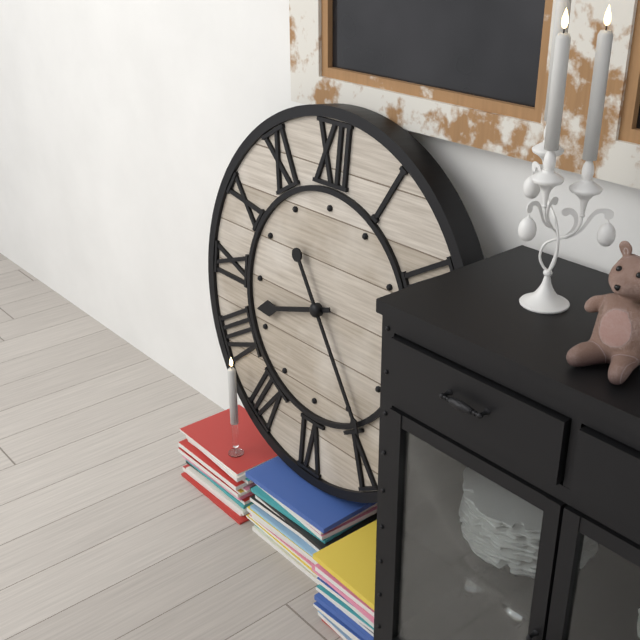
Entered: {"hour": 8, "minute": 24}
